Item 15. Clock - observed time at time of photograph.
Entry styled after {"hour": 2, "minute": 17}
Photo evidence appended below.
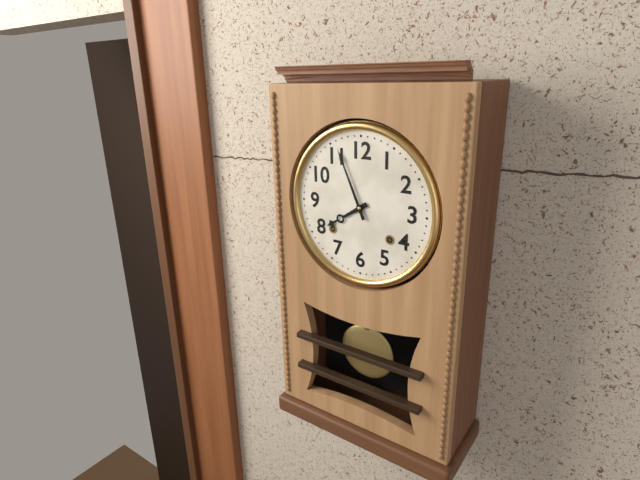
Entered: {"hour": 7, "minute": 56}
